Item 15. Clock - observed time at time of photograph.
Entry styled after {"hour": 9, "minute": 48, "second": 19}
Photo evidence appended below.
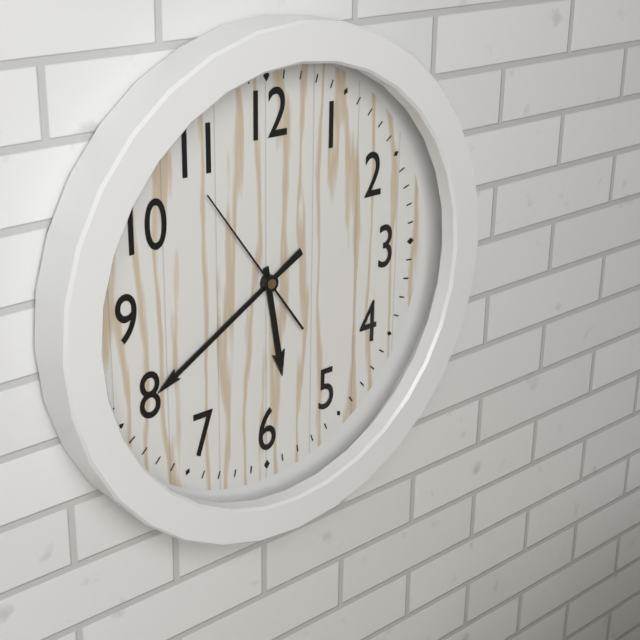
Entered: {"hour": 5, "minute": 40, "second": 54}
